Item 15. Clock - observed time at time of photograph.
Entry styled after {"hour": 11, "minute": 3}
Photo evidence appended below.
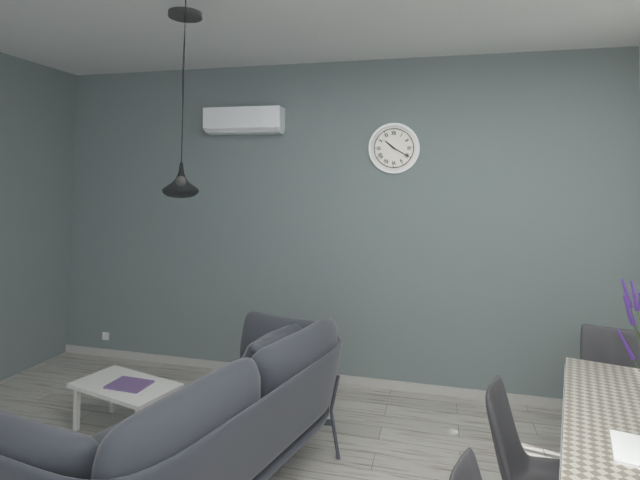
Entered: {"hour": 10, "minute": 20}
